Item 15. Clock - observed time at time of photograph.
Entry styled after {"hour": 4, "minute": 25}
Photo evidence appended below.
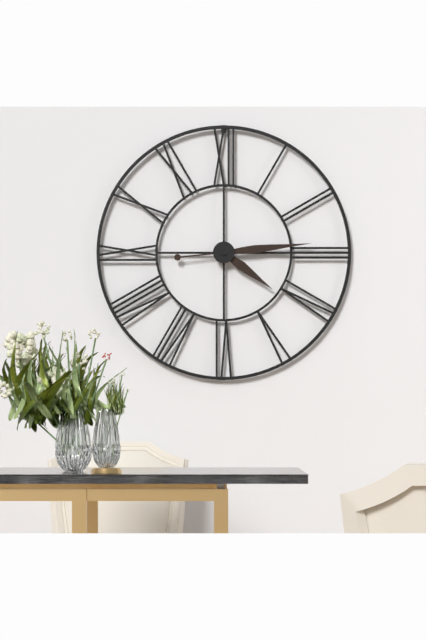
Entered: {"hour": 4, "minute": 14}
